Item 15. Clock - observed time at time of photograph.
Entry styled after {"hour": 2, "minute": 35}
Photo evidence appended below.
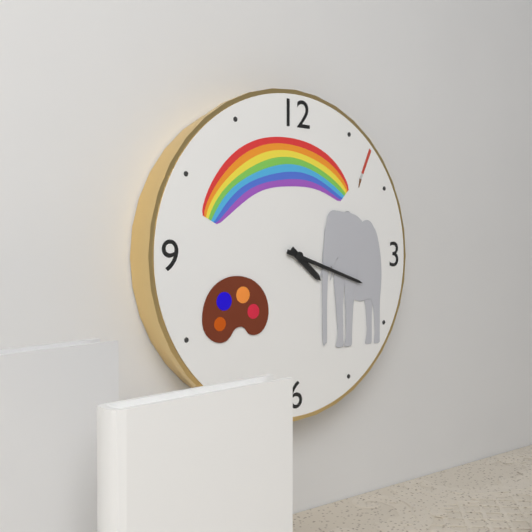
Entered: {"hour": 4, "minute": 18}
